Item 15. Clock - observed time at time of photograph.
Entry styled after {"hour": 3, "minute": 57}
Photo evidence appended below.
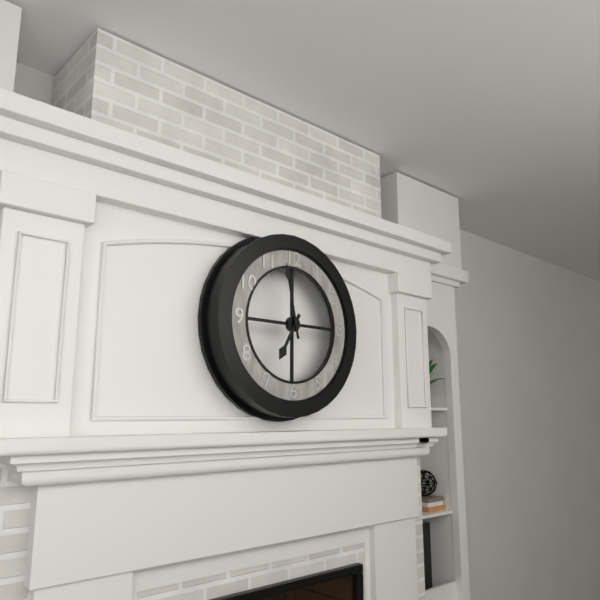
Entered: {"hour": 6, "minute": 58}
